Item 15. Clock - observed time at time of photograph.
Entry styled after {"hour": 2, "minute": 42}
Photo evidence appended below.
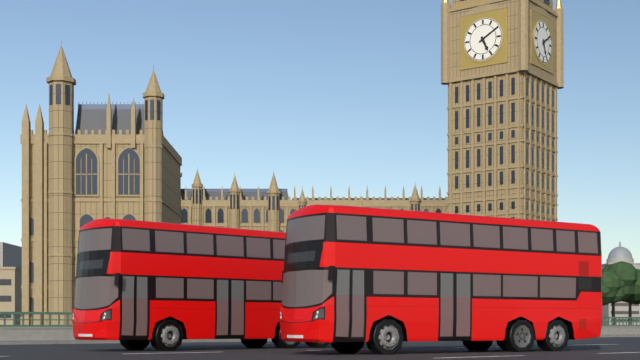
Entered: {"hour": 5, "minute": 10}
